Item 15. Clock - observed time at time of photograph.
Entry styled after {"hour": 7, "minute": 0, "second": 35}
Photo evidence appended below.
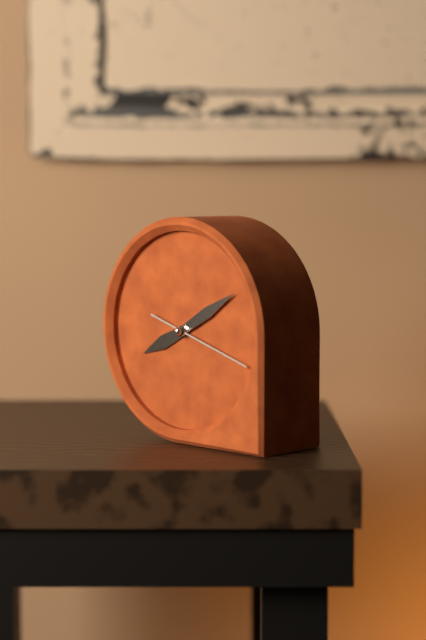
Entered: {"hour": 8, "minute": 10, "second": 18}
